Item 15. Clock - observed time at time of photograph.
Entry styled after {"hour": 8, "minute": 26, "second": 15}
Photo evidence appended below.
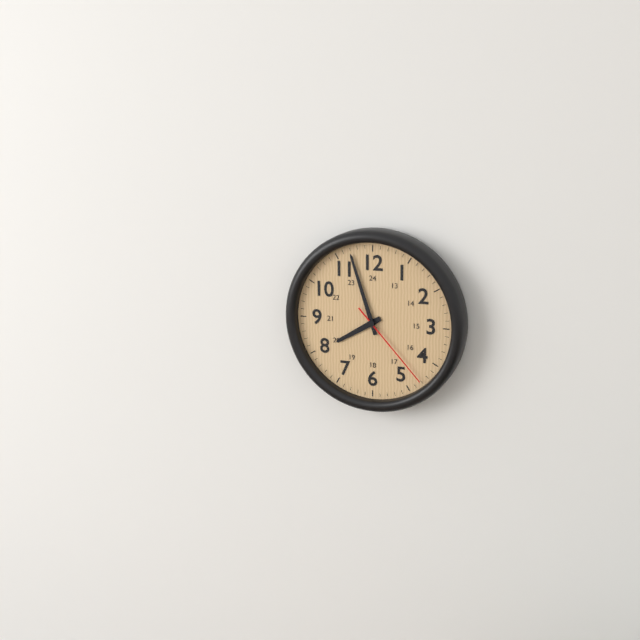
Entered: {"hour": 7, "minute": 57, "second": 23}
